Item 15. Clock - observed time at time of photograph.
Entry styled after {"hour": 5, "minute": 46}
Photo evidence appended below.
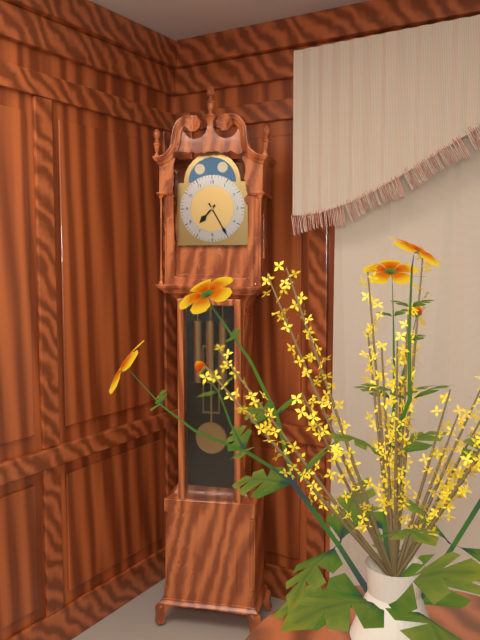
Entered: {"hour": 7, "minute": 25}
